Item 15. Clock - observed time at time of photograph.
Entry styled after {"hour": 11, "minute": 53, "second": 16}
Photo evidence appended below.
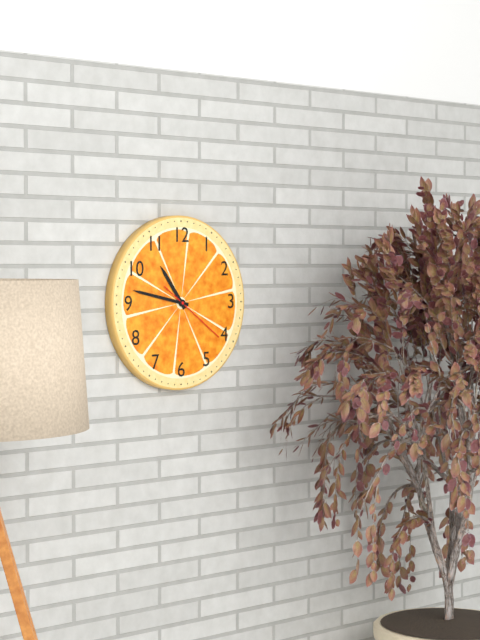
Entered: {"hour": 10, "minute": 47, "second": 21}
